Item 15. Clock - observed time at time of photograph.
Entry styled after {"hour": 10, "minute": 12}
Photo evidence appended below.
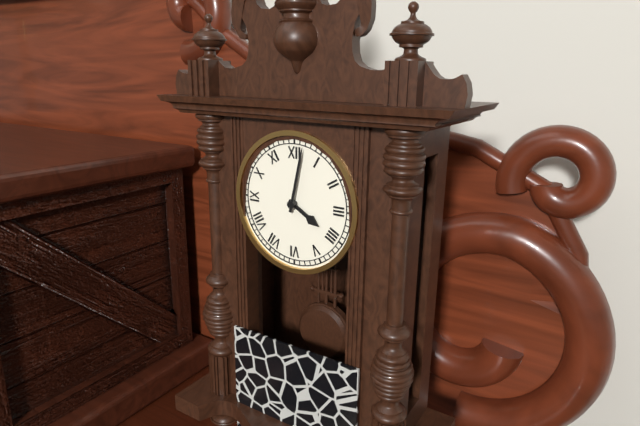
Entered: {"hour": 4, "minute": 2}
